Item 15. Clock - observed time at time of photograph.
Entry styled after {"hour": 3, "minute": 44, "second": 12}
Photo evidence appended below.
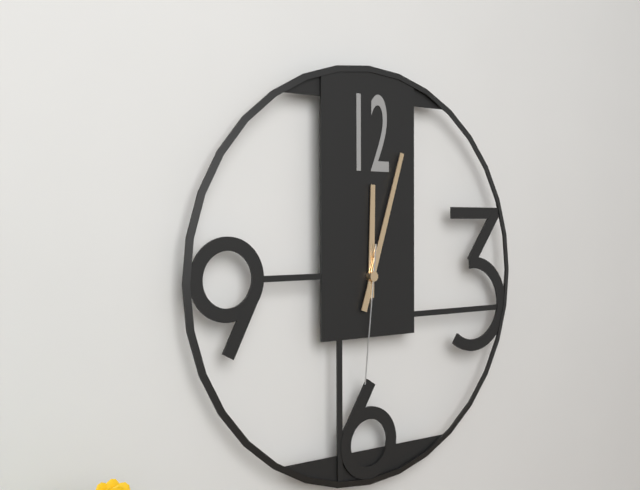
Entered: {"hour": 12, "minute": 3, "second": 31}
